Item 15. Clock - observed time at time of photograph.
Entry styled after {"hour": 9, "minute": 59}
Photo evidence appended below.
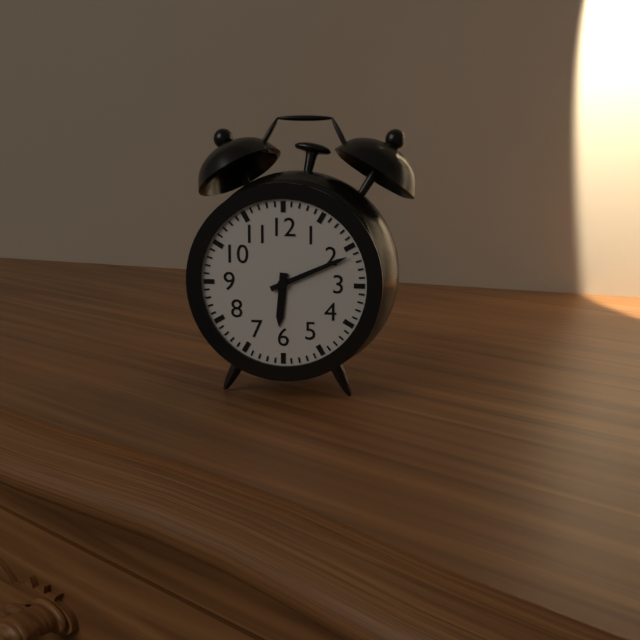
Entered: {"hour": 6, "minute": 11}
